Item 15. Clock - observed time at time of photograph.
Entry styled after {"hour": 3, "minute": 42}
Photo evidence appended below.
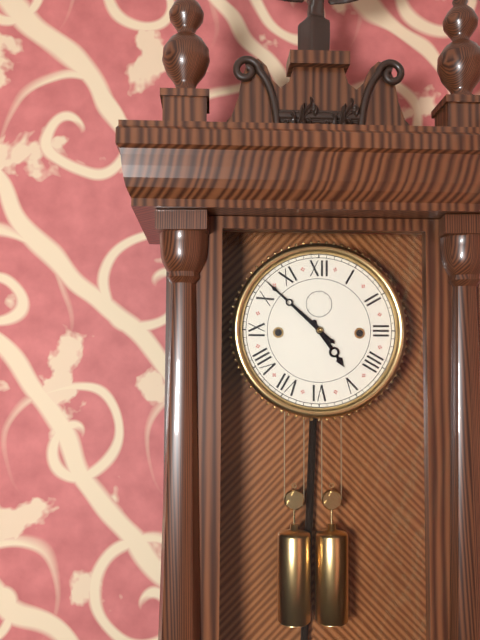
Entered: {"hour": 4, "minute": 52}
